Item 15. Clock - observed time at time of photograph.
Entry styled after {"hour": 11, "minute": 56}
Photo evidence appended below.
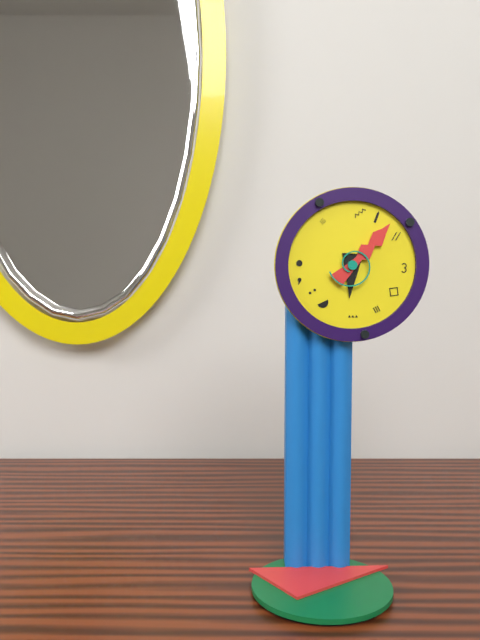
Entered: {"hour": 6, "minute": 7}
